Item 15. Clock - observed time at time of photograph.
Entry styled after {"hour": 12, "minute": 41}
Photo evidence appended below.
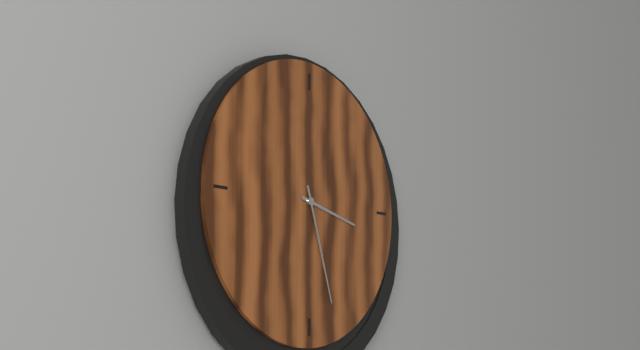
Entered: {"hour": 3, "minute": 27}
